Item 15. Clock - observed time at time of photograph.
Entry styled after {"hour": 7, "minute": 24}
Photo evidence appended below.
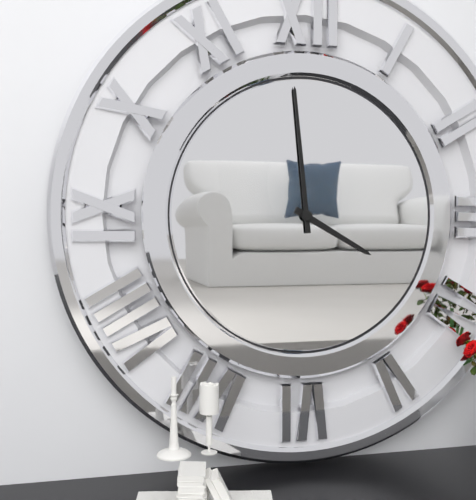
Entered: {"hour": 3, "minute": 59}
